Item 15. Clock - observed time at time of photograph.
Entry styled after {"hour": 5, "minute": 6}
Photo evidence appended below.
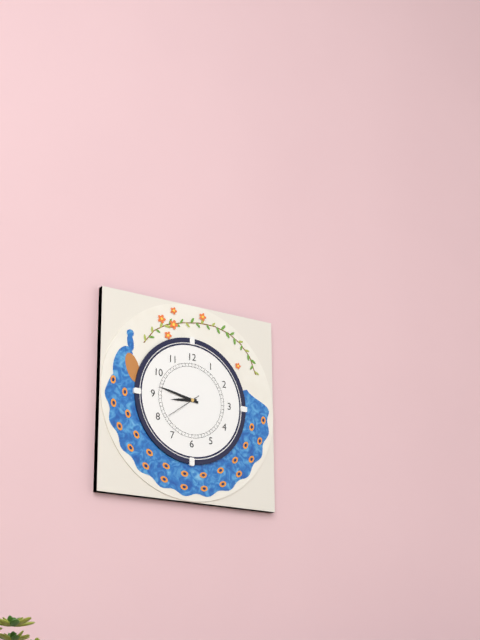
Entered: {"hour": 8, "minute": 47}
